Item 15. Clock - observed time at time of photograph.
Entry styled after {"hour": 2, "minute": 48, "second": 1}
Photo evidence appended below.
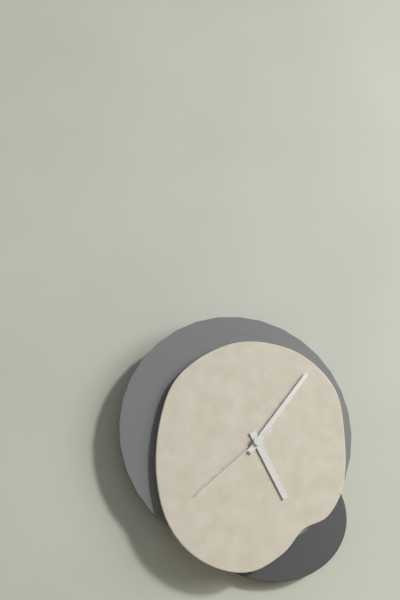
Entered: {"hour": 5, "minute": 6, "second": 38}
